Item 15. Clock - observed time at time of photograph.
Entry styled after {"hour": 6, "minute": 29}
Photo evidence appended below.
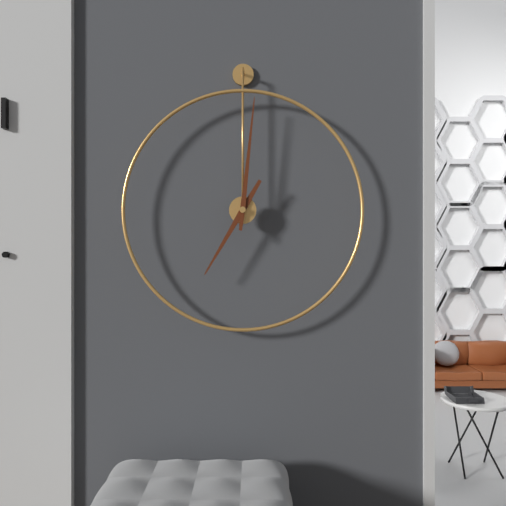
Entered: {"hour": 7, "minute": 1}
